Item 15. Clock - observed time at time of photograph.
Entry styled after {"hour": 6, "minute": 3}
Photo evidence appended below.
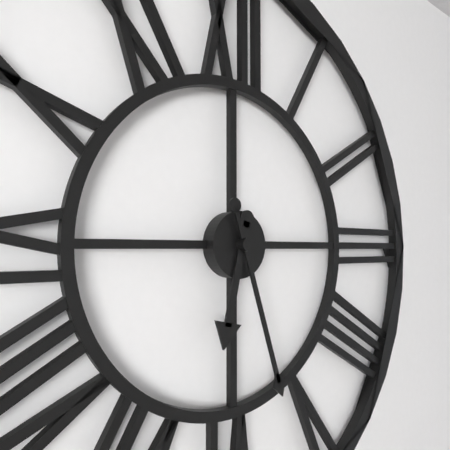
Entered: {"hour": 6, "minute": 27}
